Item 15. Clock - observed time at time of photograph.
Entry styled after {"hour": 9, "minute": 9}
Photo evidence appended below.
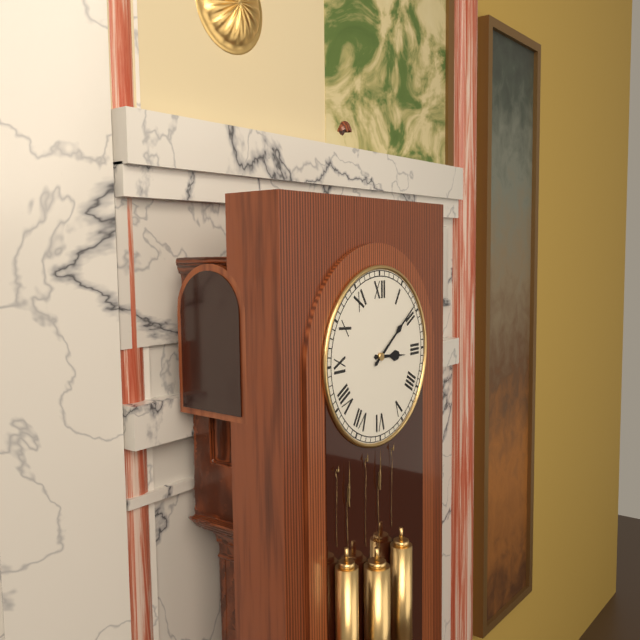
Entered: {"hour": 3, "minute": 9}
